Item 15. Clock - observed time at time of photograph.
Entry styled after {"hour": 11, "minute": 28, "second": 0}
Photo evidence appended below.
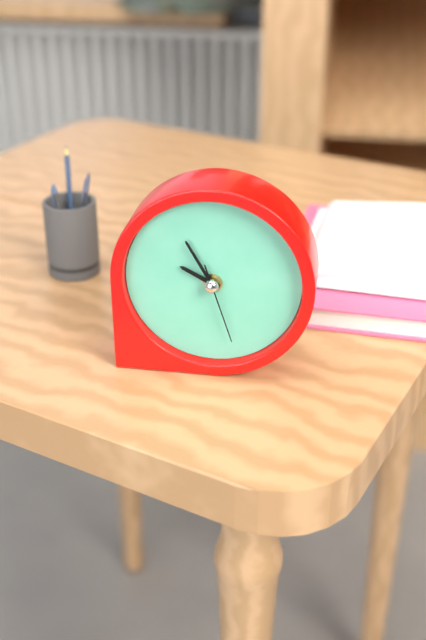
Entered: {"hour": 9, "minute": 55, "second": 27}
